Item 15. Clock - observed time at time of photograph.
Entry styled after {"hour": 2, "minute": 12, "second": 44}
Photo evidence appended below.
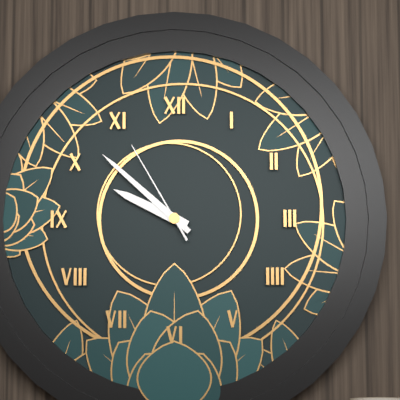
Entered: {"hour": 9, "minute": 52, "second": 55}
